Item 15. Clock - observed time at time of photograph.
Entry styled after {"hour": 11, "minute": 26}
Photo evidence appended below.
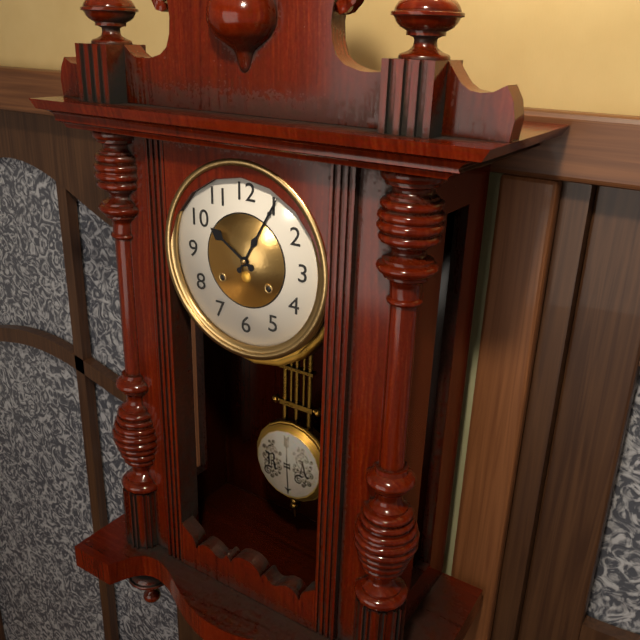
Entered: {"hour": 10, "minute": 5}
